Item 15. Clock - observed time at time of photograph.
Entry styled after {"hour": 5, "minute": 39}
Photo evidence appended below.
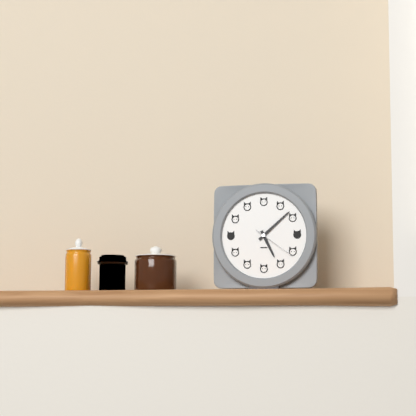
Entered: {"hour": 5, "minute": 8}
